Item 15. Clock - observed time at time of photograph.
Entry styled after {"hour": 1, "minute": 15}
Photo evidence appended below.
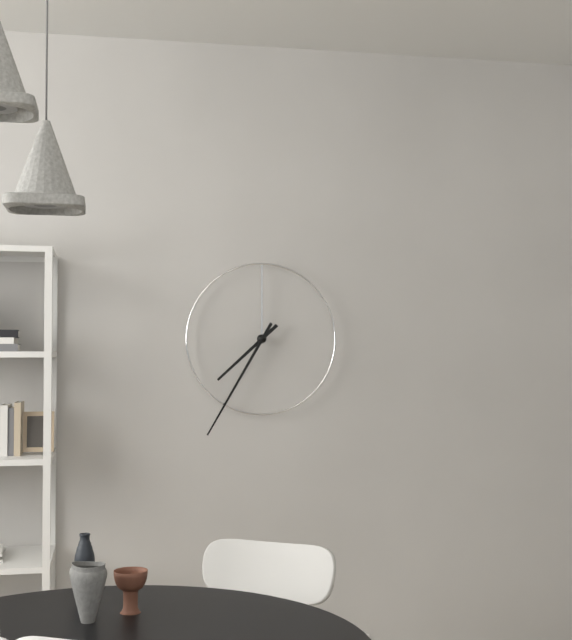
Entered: {"hour": 7, "minute": 35}
